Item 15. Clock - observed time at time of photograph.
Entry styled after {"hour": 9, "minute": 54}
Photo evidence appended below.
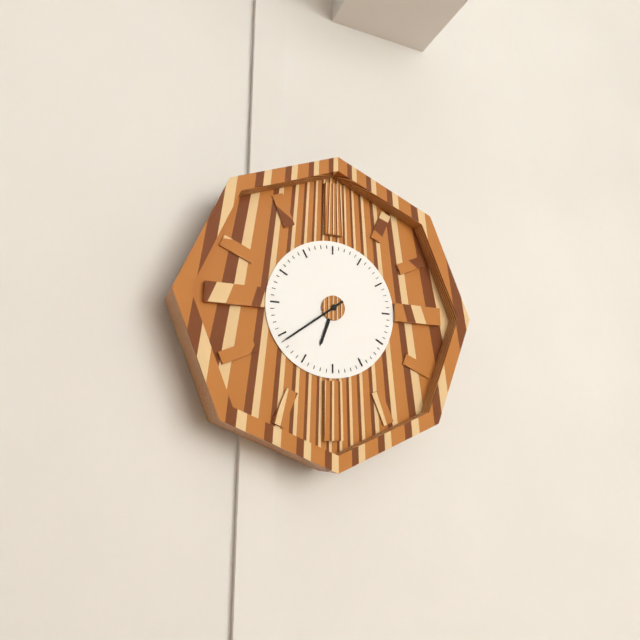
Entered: {"hour": 6, "minute": 39}
